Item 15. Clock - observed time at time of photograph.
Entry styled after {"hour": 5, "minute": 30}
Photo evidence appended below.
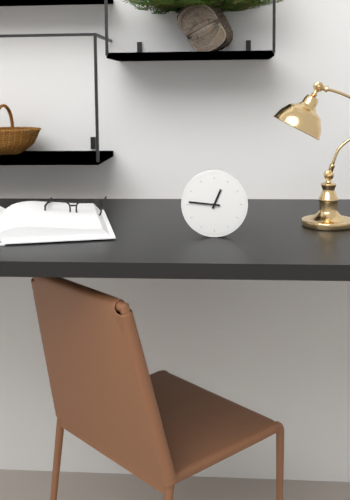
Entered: {"hour": 12, "minute": 46}
